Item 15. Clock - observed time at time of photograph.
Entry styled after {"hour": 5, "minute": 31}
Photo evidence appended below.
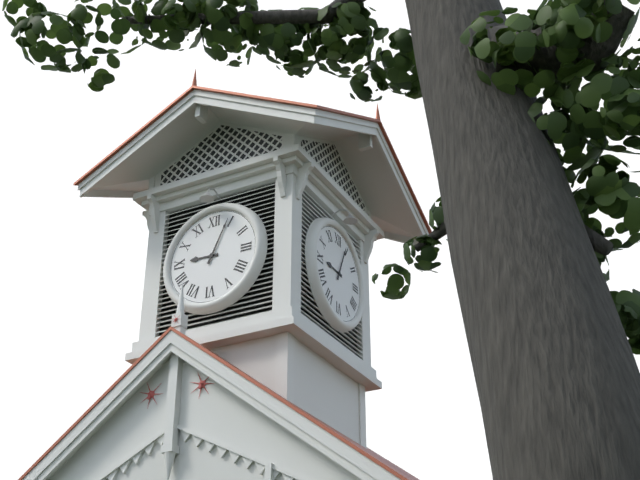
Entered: {"hour": 9, "minute": 4}
